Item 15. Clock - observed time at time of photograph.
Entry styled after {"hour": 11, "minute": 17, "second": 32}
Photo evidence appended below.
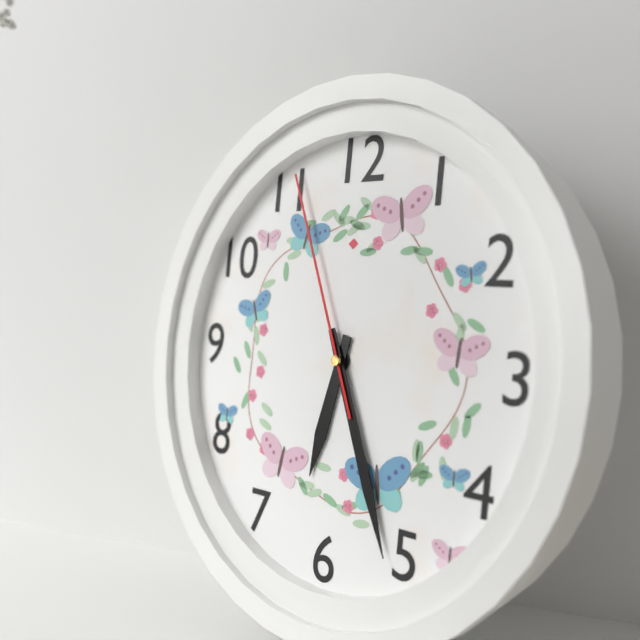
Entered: {"hour": 6, "minute": 26, "second": 56}
